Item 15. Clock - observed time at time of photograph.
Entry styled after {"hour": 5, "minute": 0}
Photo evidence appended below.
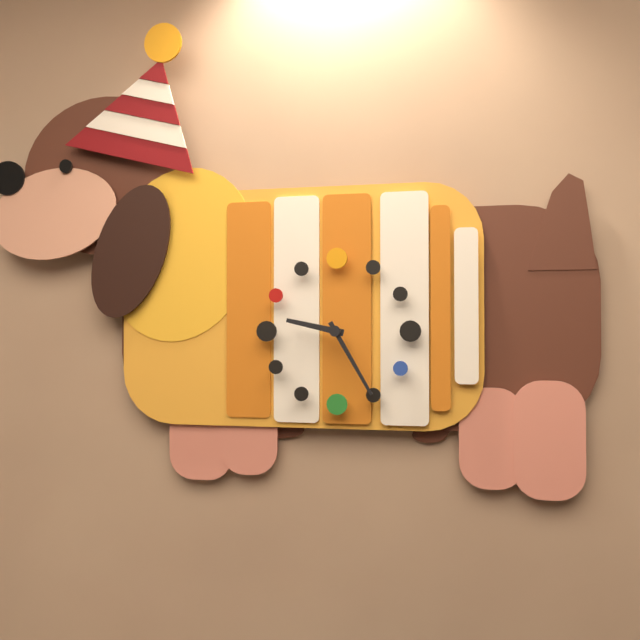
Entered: {"hour": 9, "minute": 25}
